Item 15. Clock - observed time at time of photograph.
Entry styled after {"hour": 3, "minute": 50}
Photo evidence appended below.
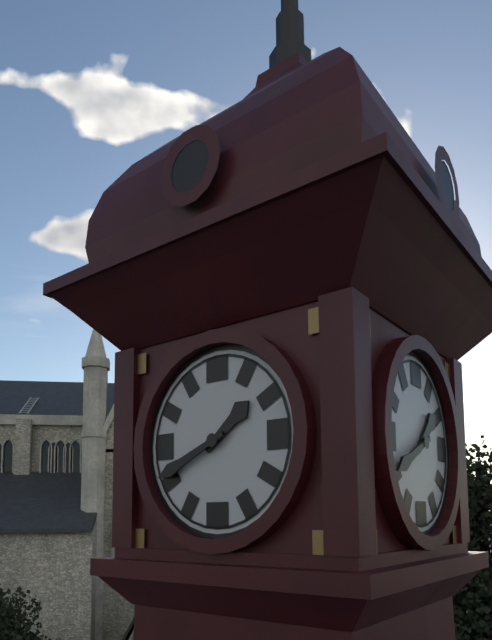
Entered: {"hour": 1, "minute": 41}
